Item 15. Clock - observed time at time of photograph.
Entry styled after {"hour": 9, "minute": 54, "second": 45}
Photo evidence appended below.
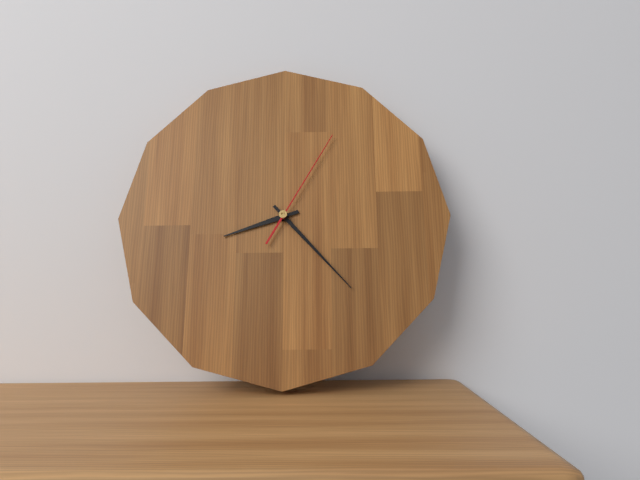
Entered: {"hour": 8, "minute": 23, "second": 5}
